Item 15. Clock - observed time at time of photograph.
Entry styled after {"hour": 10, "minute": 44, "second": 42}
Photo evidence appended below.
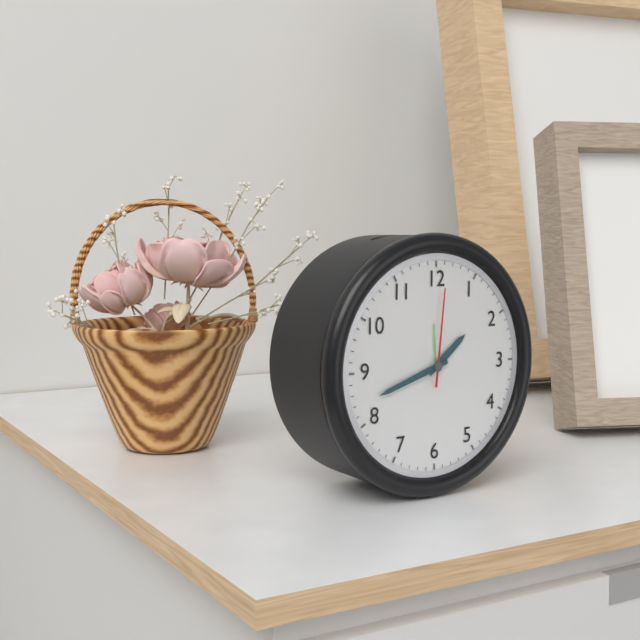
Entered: {"hour": 1, "minute": 42, "second": 1}
